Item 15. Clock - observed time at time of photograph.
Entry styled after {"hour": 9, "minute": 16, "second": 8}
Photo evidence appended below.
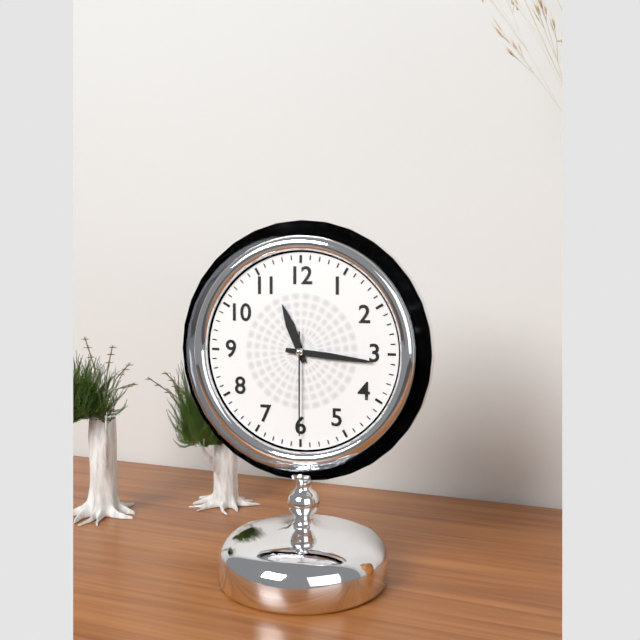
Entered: {"hour": 11, "minute": 16, "second": 30}
